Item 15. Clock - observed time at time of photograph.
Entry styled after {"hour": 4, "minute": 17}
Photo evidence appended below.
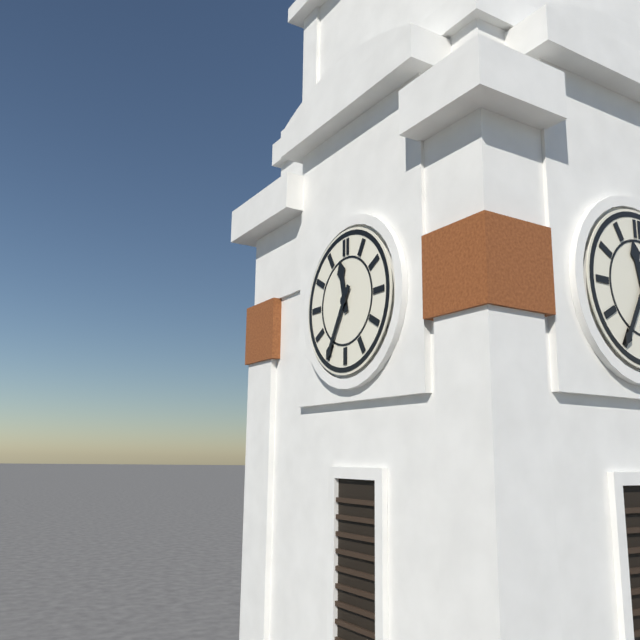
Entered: {"hour": 11, "minute": 35}
